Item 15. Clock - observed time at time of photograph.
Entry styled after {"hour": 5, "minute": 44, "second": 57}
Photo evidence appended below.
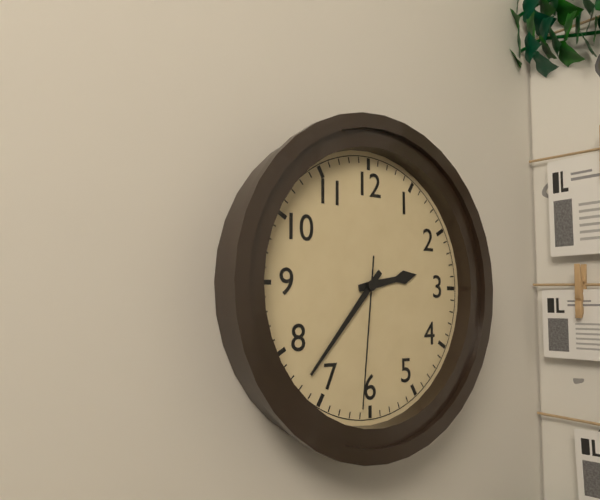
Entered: {"hour": 2, "minute": 37, "second": 31}
